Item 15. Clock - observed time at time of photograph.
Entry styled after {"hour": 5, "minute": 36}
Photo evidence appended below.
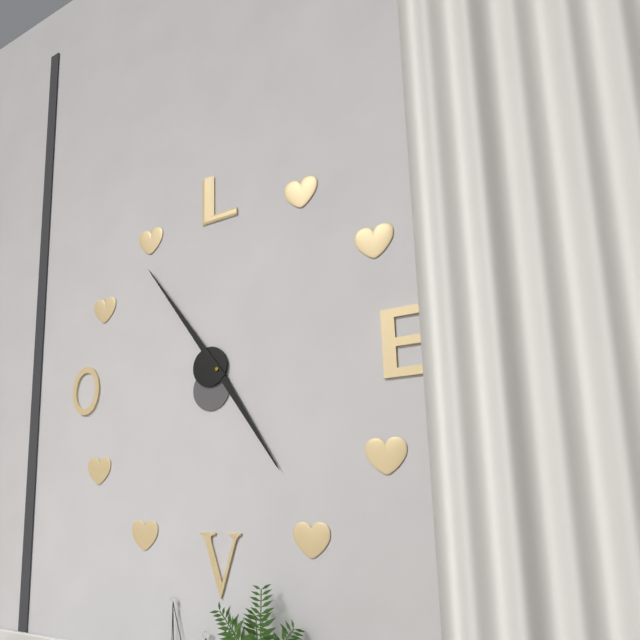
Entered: {"hour": 4, "minute": 54}
